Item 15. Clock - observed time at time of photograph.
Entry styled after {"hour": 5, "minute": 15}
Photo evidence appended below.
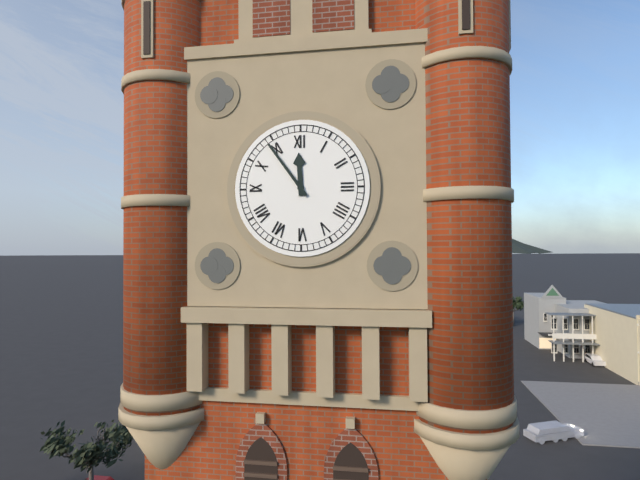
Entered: {"hour": 11, "minute": 54}
